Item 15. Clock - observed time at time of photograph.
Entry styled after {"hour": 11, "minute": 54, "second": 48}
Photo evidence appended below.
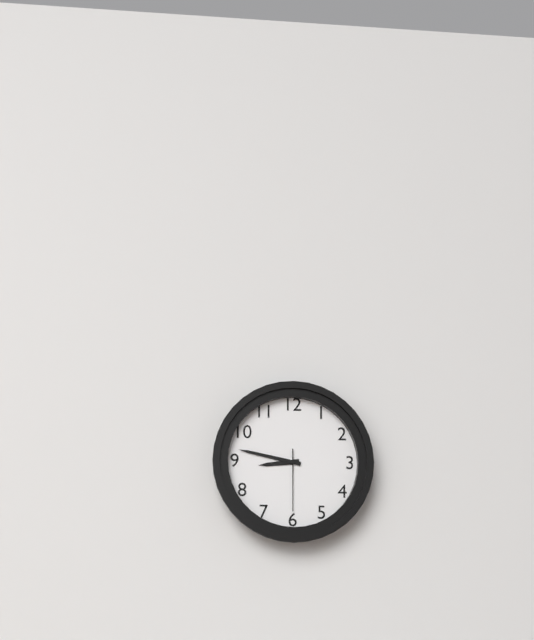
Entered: {"hour": 8, "minute": 47, "second": 30}
